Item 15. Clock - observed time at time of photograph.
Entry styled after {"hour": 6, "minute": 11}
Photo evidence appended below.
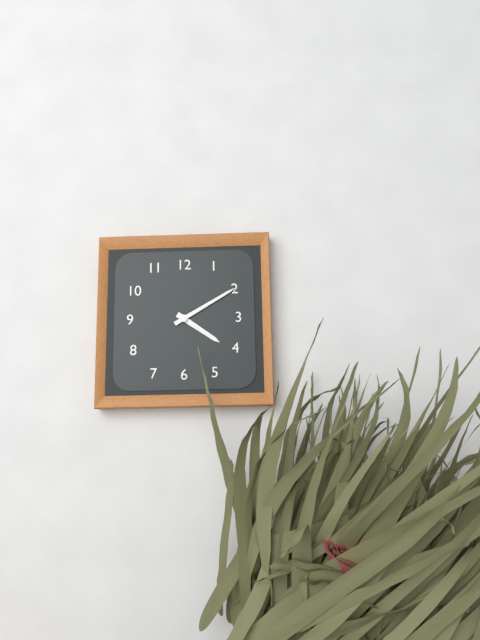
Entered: {"hour": 4, "minute": 10}
